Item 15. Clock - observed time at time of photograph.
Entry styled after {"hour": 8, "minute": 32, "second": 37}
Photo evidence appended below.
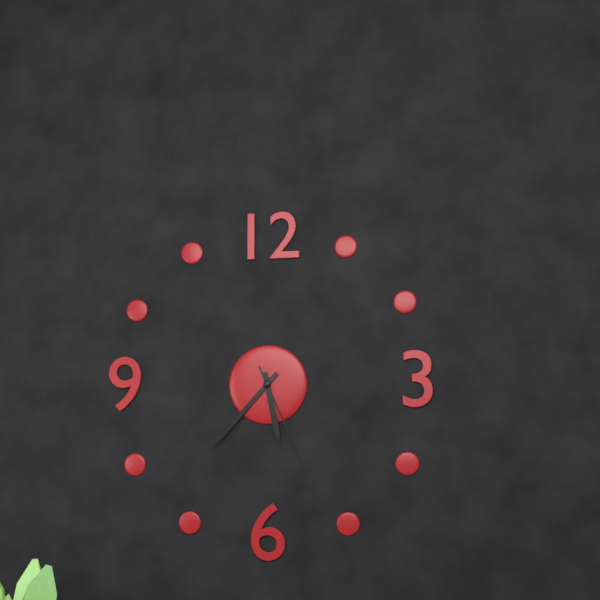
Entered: {"hour": 5, "minute": 37, "second": 26}
